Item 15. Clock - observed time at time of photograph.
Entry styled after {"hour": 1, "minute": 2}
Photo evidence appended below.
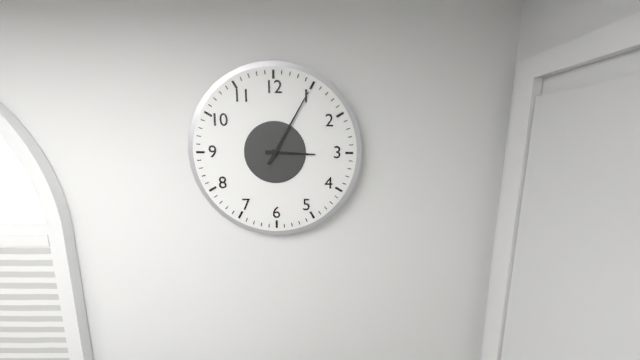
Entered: {"hour": 3, "minute": 5}
